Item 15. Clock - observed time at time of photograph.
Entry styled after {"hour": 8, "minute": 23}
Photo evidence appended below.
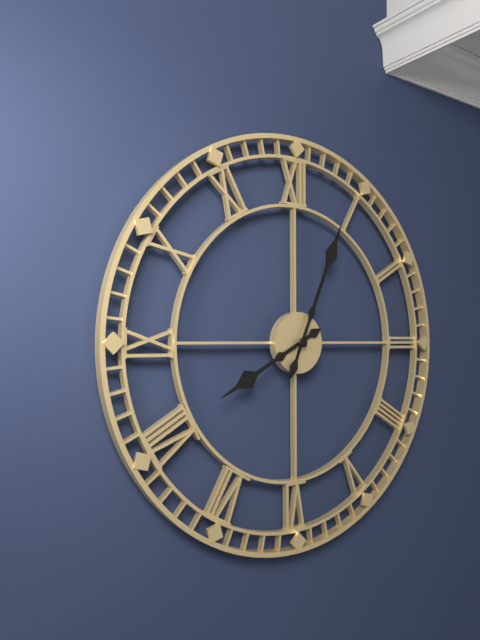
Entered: {"hour": 8, "minute": 4}
